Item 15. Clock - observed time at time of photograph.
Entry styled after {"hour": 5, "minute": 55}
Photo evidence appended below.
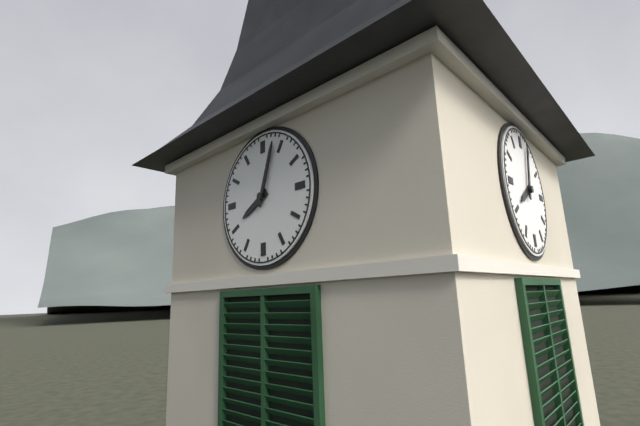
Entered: {"hour": 8, "minute": 3}
